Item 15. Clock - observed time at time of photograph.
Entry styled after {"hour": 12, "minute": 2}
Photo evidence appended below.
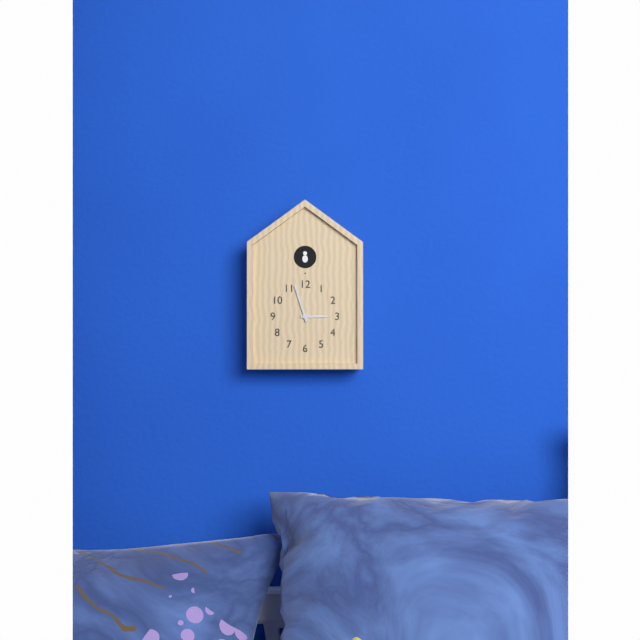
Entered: {"hour": 2, "minute": 57}
